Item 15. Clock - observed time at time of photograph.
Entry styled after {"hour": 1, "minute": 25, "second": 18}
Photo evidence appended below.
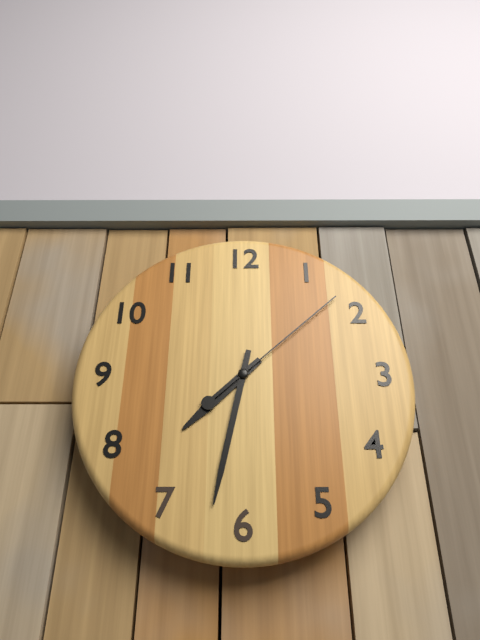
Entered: {"hour": 7, "minute": 32, "second": 8}
